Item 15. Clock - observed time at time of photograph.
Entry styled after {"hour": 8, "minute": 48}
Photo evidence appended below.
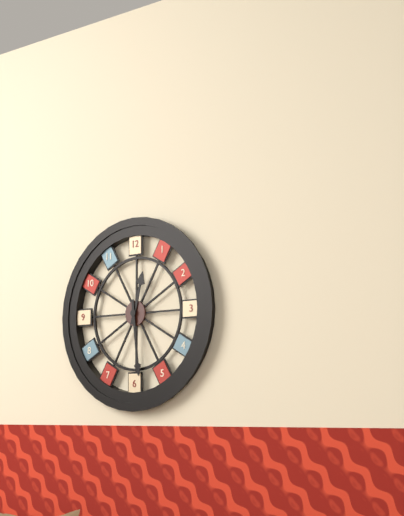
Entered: {"hour": 12, "minute": 29}
